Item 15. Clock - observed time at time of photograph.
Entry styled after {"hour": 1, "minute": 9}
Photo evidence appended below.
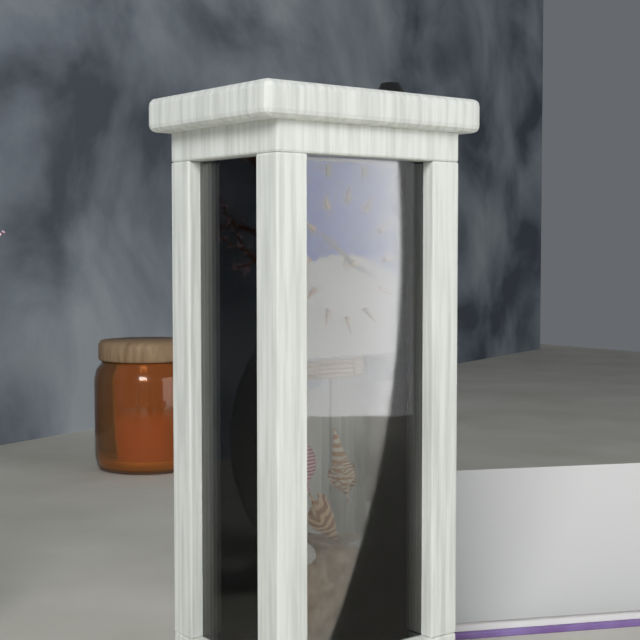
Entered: {"hour": 3, "minute": 51}
